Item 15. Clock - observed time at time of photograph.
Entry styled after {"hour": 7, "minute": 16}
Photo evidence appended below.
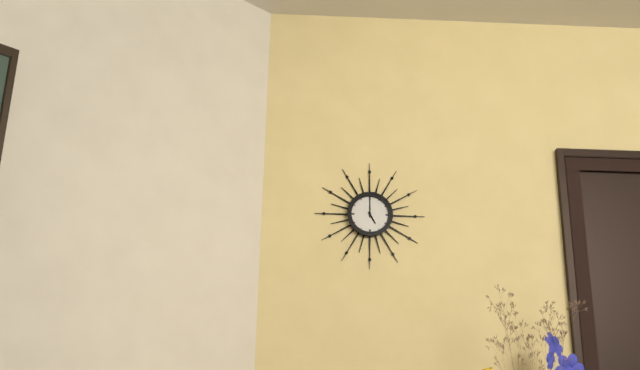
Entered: {"hour": 5, "minute": 0}
